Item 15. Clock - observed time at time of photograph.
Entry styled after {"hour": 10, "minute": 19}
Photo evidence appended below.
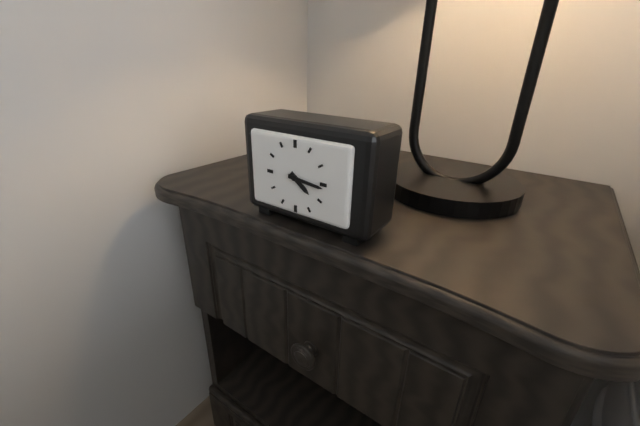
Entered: {"hour": 4, "minute": 16}
